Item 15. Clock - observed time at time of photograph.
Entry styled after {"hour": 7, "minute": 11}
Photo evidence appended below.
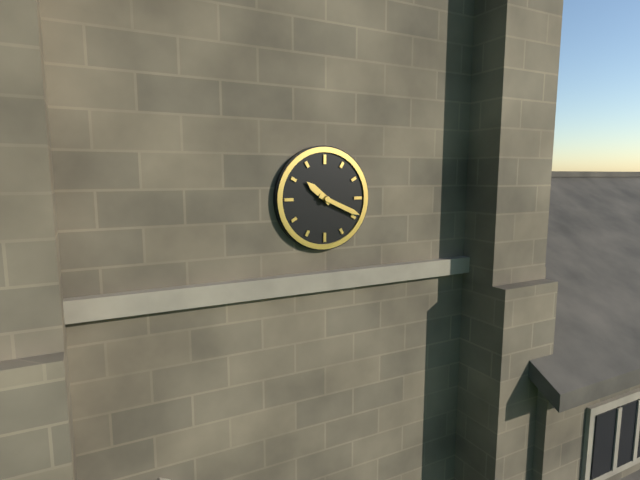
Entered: {"hour": 10, "minute": 19}
